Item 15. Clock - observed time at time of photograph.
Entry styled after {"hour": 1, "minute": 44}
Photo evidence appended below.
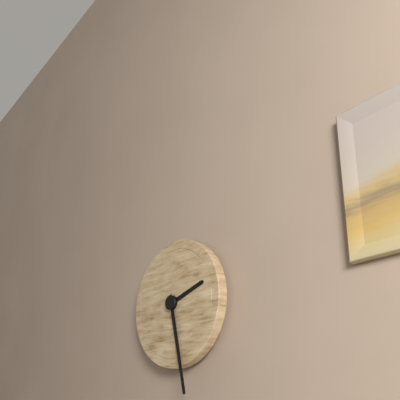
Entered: {"hour": 2, "minute": 28}
